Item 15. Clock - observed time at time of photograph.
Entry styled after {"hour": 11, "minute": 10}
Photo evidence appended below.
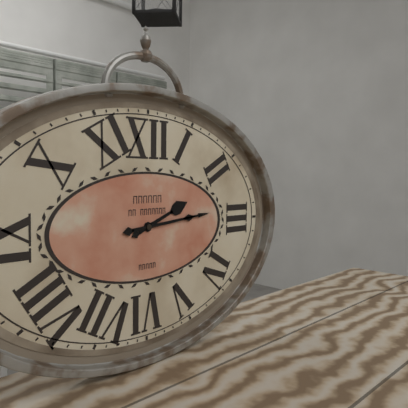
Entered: {"hour": 2, "minute": 14}
